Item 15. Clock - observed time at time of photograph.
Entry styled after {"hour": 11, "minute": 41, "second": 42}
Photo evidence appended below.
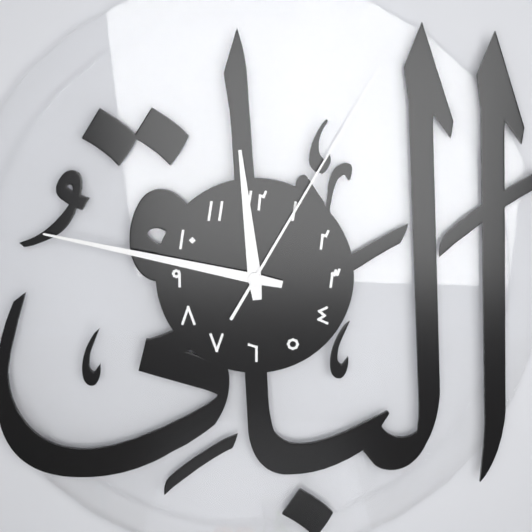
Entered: {"hour": 11, "minute": 47, "second": 5}
